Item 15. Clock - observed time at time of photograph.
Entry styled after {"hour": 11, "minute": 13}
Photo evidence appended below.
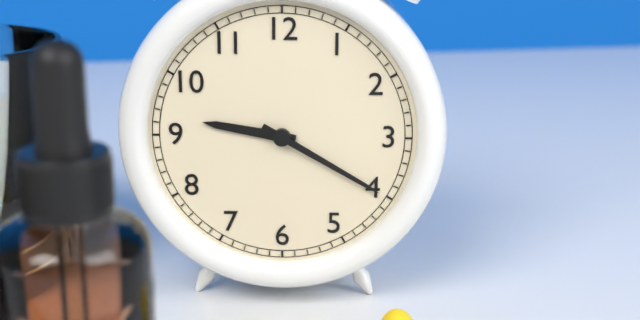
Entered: {"hour": 9, "minute": 20}
